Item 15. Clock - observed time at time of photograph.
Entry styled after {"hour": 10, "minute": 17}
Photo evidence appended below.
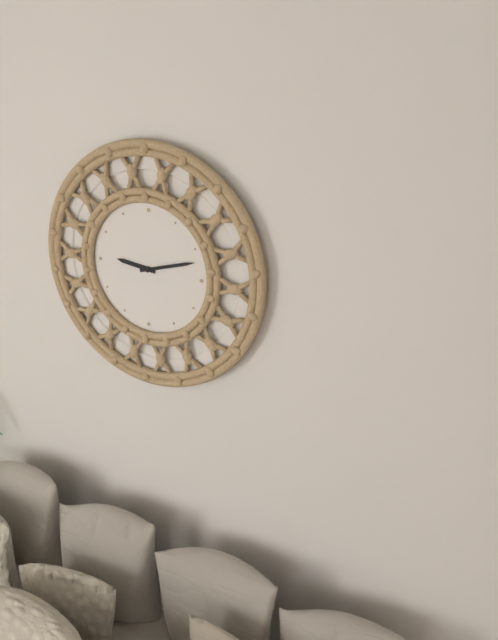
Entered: {"hour": 9, "minute": 12}
